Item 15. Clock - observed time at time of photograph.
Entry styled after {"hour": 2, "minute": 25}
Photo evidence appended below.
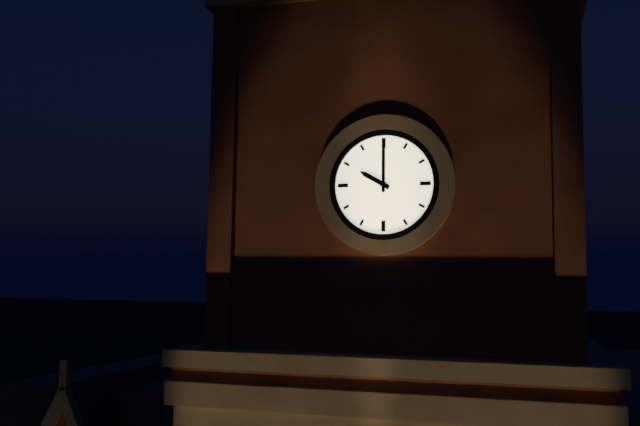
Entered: {"hour": 10, "minute": 0}
